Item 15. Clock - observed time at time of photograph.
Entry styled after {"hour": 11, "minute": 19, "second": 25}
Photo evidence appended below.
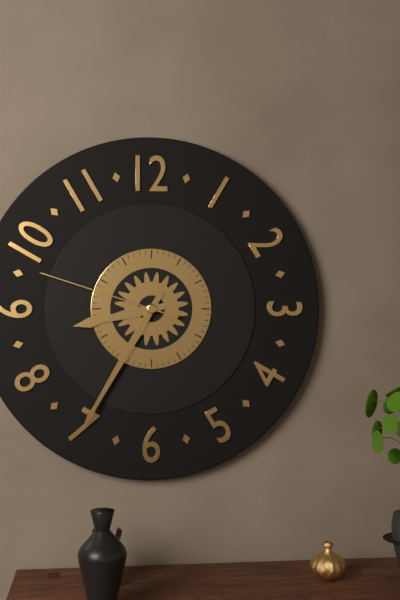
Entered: {"hour": 8, "minute": 35, "second": 48}
